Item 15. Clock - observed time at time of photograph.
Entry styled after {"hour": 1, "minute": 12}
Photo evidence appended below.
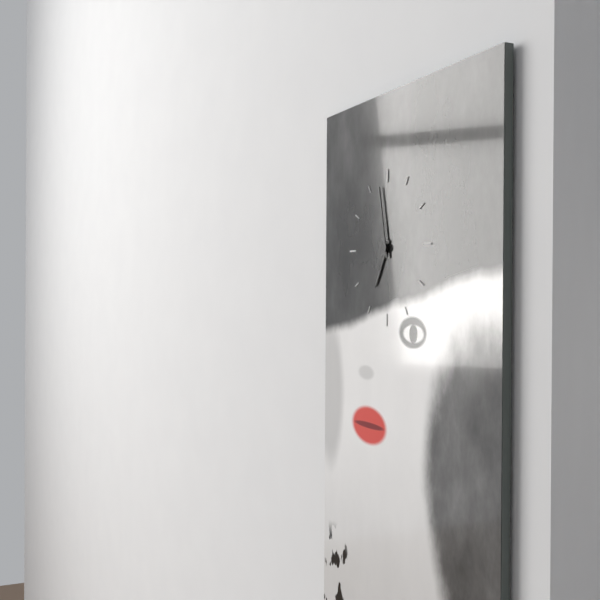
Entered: {"hour": 6, "minute": 58}
